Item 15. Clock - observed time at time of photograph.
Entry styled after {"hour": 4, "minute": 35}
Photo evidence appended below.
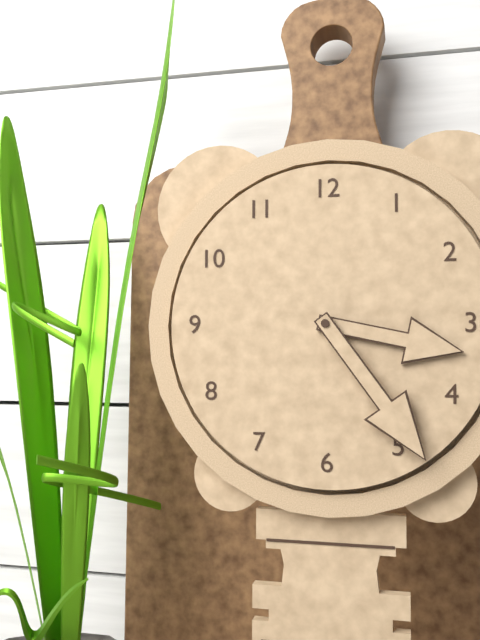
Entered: {"hour": 3, "minute": 24}
